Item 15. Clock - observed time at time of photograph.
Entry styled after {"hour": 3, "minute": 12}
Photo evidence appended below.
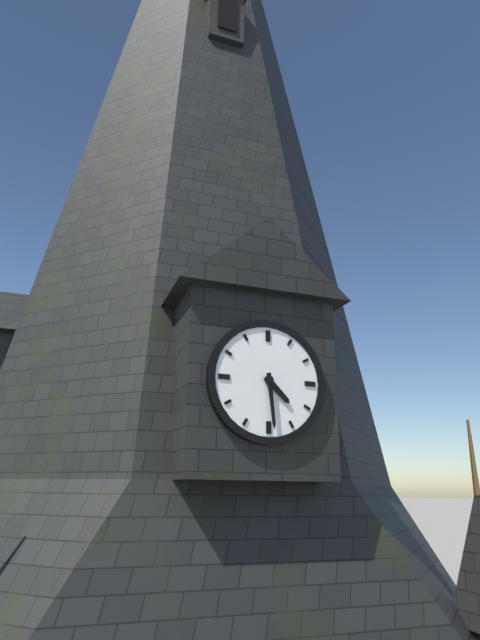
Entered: {"hour": 4, "minute": 29}
